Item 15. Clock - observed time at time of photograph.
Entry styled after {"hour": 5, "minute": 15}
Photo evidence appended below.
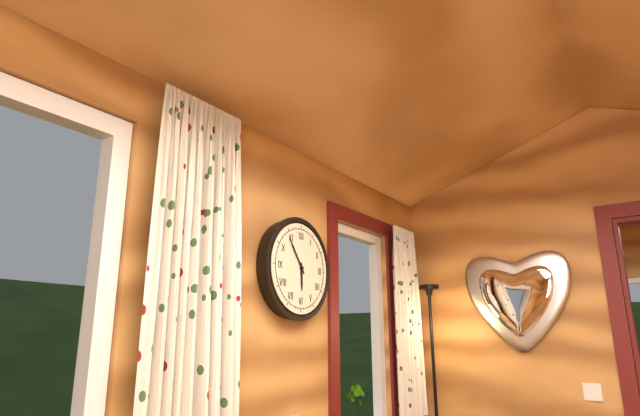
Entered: {"hour": 5, "minute": 54}
